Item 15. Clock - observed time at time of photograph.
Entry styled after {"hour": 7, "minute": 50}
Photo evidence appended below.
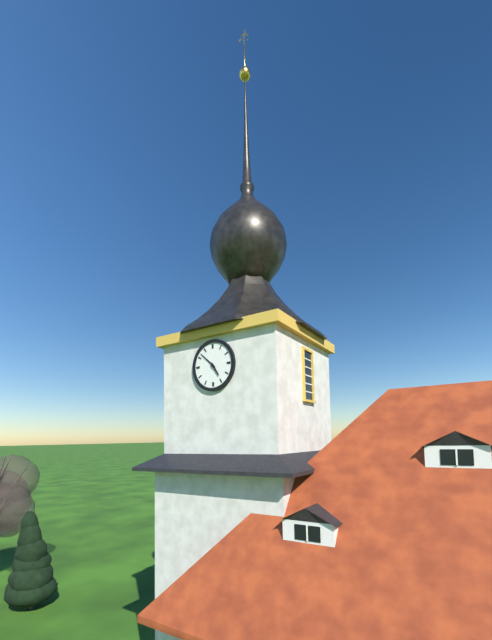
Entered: {"hour": 4, "minute": 52}
